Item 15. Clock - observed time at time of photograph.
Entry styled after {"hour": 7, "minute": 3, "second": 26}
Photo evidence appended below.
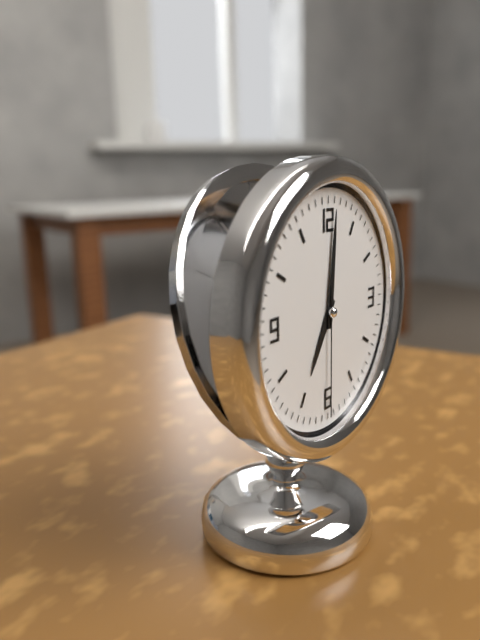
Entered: {"hour": 7, "minute": 1, "second": 30}
